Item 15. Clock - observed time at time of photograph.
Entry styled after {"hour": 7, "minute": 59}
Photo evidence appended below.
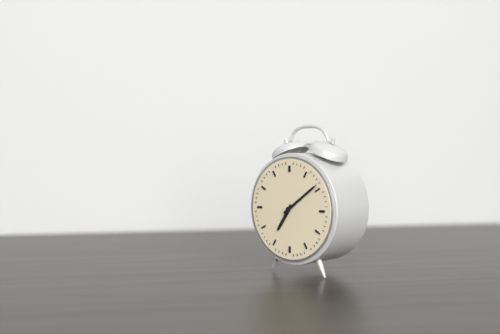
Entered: {"hour": 7, "minute": 9}
